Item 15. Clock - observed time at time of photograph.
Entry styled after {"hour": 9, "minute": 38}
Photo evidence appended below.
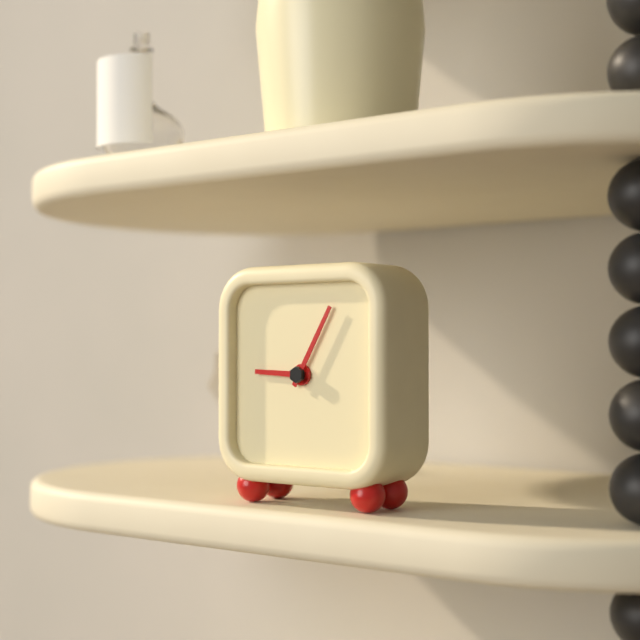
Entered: {"hour": 9, "minute": 5}
